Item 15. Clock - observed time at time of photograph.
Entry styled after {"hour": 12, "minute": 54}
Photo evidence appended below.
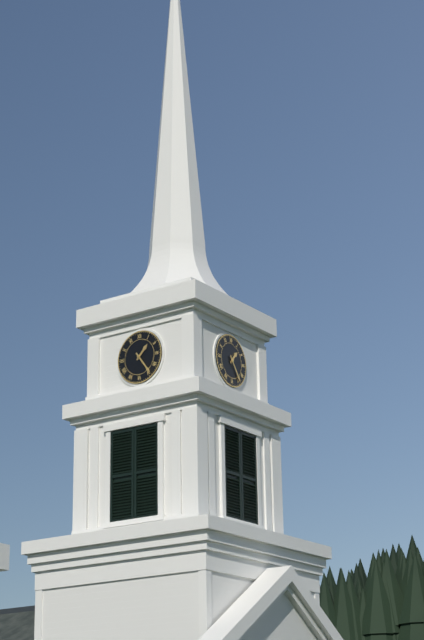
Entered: {"hour": 1, "minute": 24}
